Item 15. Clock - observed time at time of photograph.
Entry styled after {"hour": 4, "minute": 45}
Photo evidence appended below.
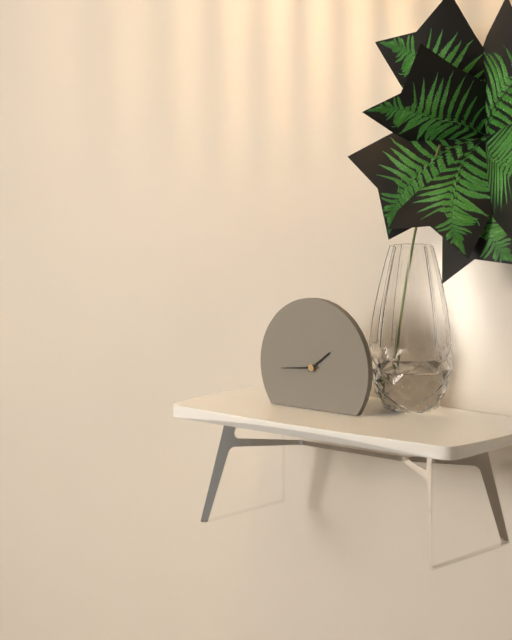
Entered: {"hour": 1, "minute": 44}
